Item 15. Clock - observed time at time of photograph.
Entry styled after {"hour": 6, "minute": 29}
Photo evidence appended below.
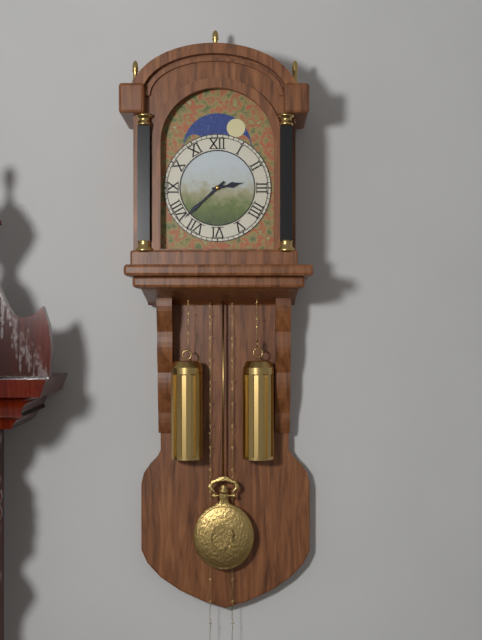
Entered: {"hour": 2, "minute": 38}
